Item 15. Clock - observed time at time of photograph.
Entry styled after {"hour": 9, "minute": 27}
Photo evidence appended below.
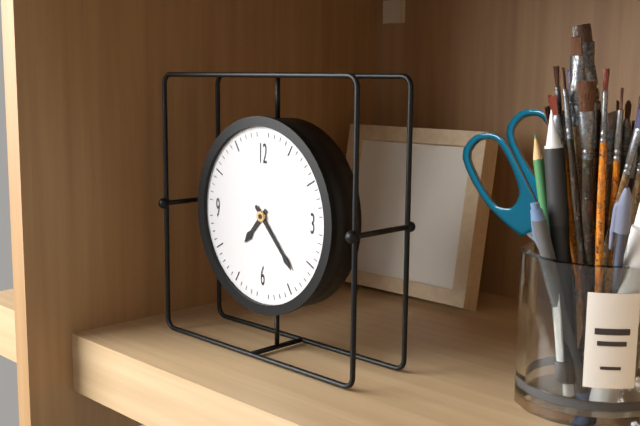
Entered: {"hour": 7, "minute": 23}
